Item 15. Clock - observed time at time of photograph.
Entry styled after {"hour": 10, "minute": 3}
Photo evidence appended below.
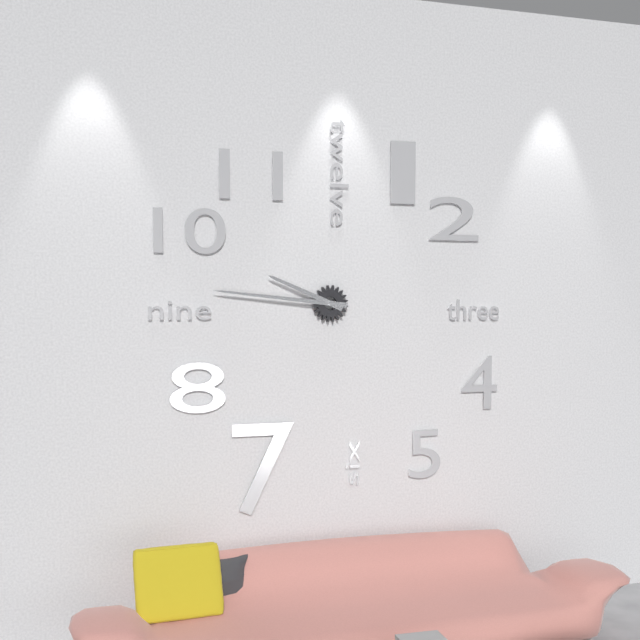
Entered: {"hour": 9, "minute": 46}
